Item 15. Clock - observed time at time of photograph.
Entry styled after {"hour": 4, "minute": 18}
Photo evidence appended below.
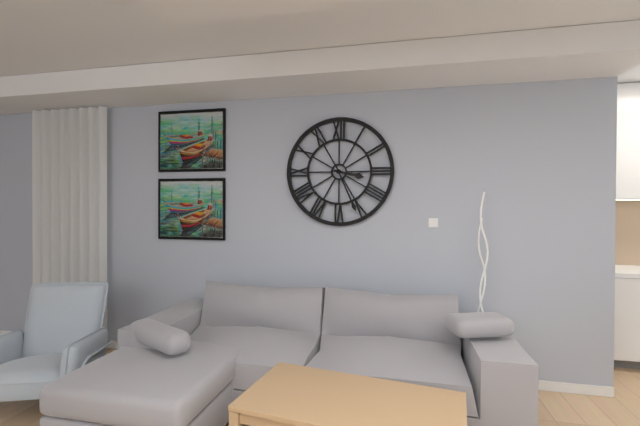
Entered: {"hour": 3, "minute": 26}
